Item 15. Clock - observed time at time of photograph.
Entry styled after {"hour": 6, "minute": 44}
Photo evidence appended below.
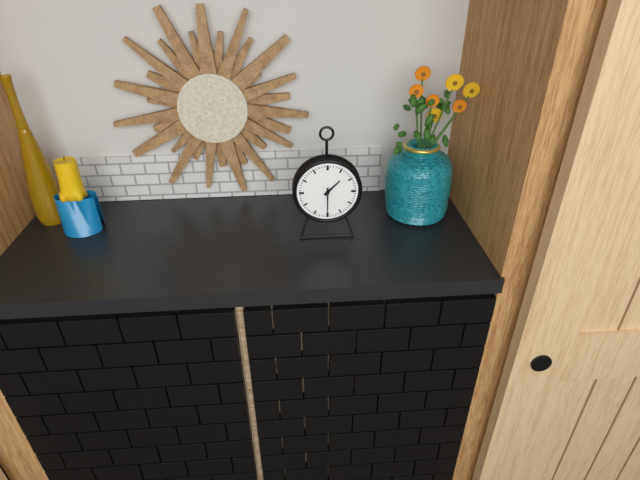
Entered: {"hour": 1, "minute": 30}
